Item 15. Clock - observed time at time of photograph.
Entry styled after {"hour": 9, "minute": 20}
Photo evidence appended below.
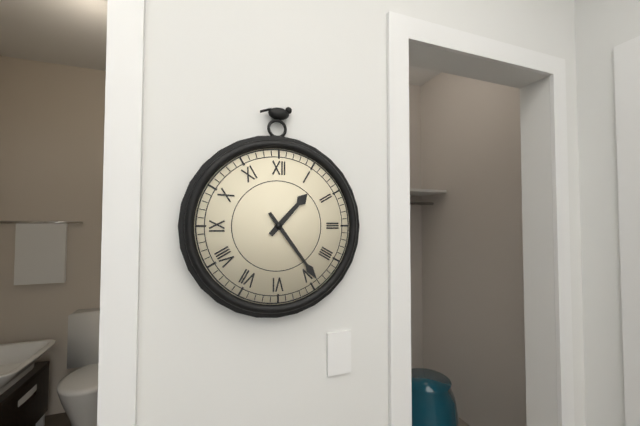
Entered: {"hour": 1, "minute": 24}
